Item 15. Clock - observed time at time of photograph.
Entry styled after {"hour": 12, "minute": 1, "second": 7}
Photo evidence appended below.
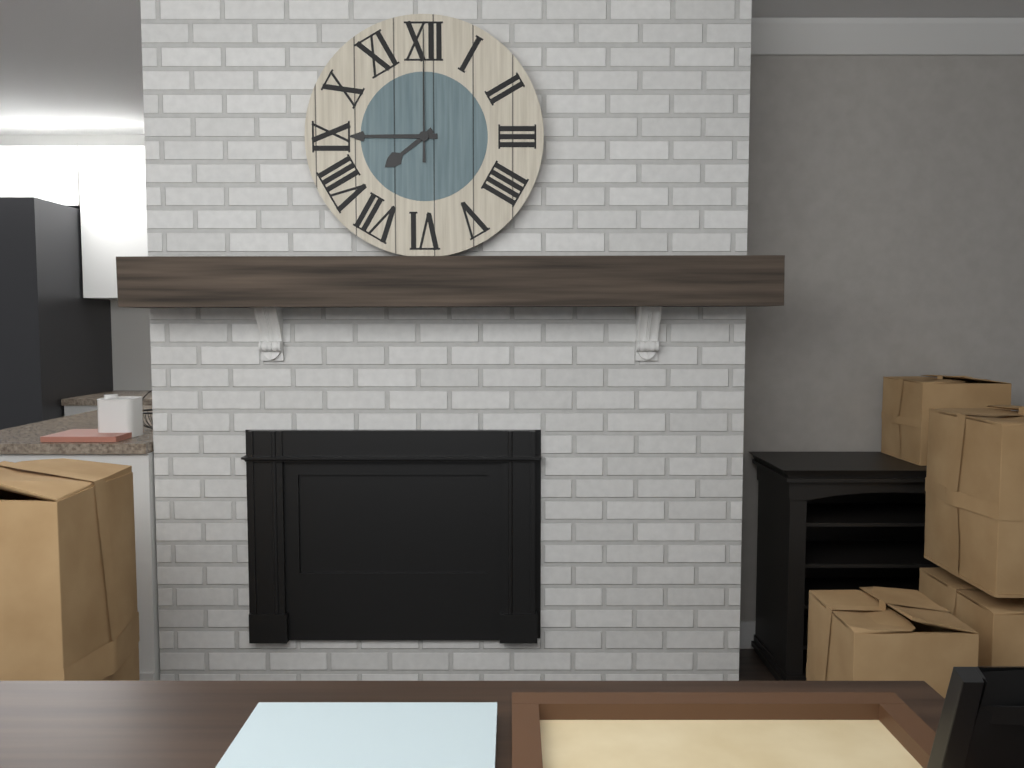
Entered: {"hour": 7, "minute": 45, "second": 0}
